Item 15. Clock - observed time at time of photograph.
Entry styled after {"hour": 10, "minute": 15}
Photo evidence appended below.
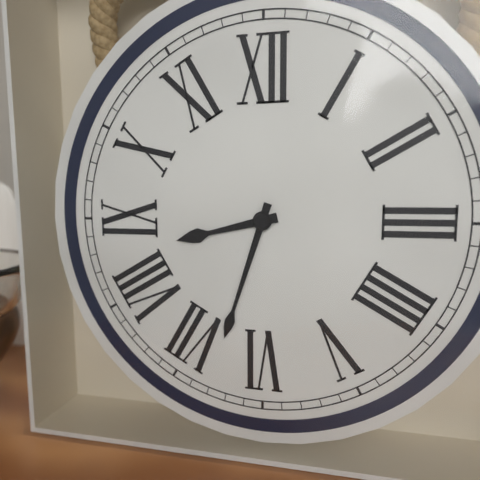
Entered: {"hour": 8, "minute": 33}
